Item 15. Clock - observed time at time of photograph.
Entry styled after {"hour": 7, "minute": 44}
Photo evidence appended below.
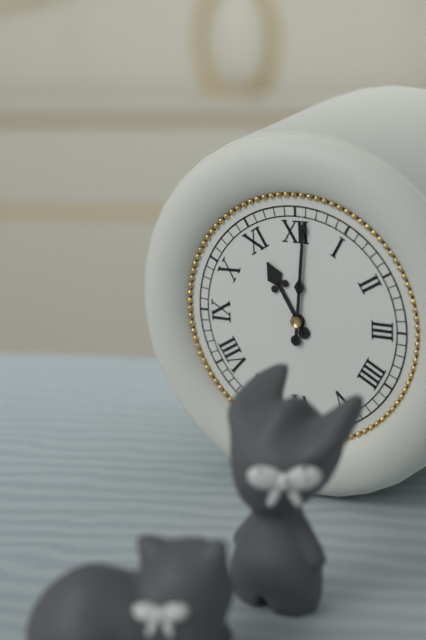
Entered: {"hour": 11, "minute": 1}
